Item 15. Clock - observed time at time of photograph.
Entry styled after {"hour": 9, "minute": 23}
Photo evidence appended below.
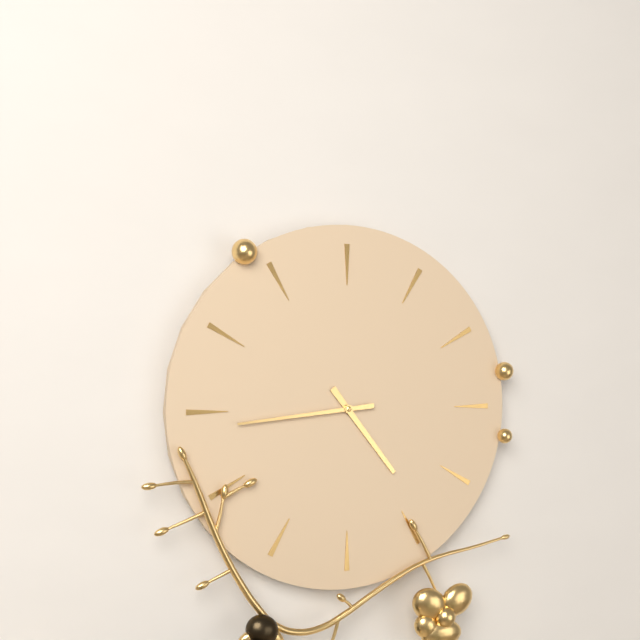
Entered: {"hour": 4, "minute": 44}
